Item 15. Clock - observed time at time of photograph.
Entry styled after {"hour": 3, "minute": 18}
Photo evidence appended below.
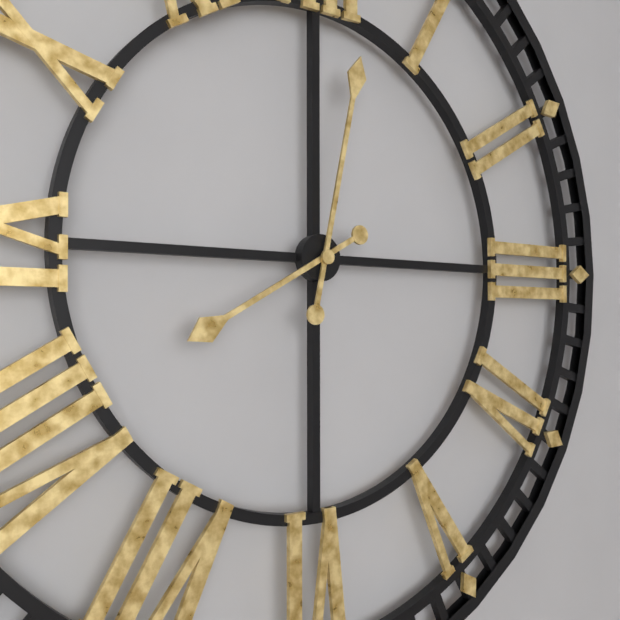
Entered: {"hour": 8, "minute": 2}
